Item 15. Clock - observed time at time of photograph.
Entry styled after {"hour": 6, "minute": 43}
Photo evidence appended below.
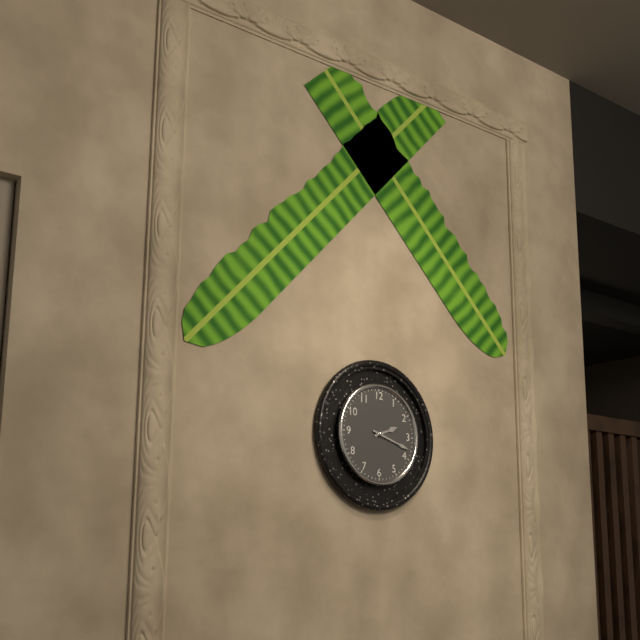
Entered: {"hour": 2, "minute": 18}
